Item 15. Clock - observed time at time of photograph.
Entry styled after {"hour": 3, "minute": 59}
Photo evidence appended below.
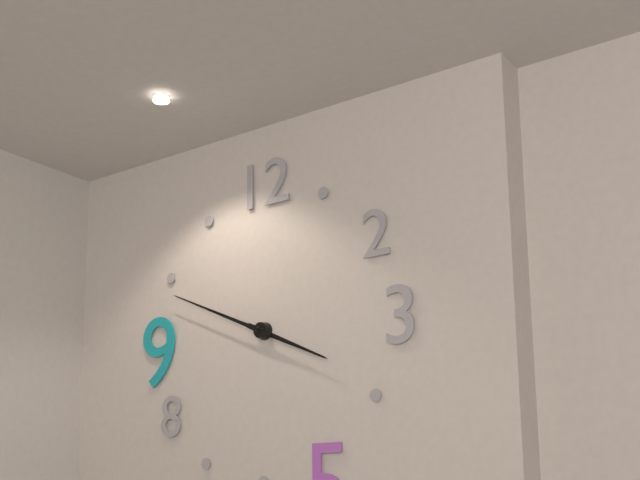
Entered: {"hour": 3, "minute": 49}
